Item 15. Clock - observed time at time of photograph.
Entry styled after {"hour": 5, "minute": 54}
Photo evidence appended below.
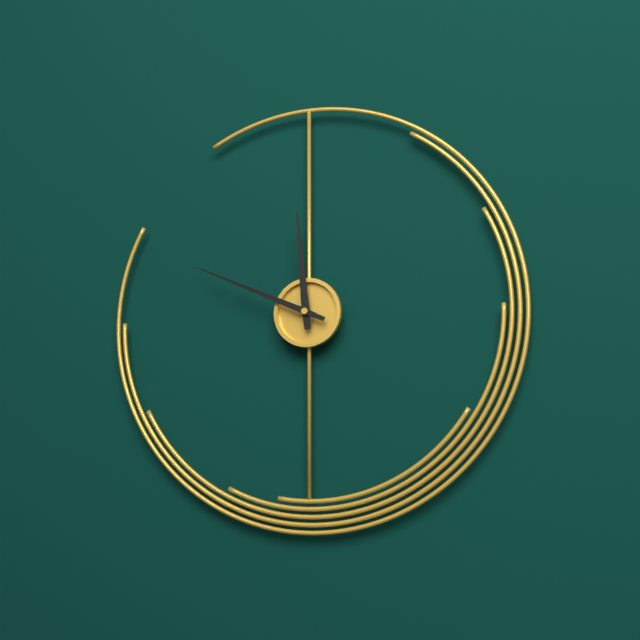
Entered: {"hour": 11, "minute": 49}
